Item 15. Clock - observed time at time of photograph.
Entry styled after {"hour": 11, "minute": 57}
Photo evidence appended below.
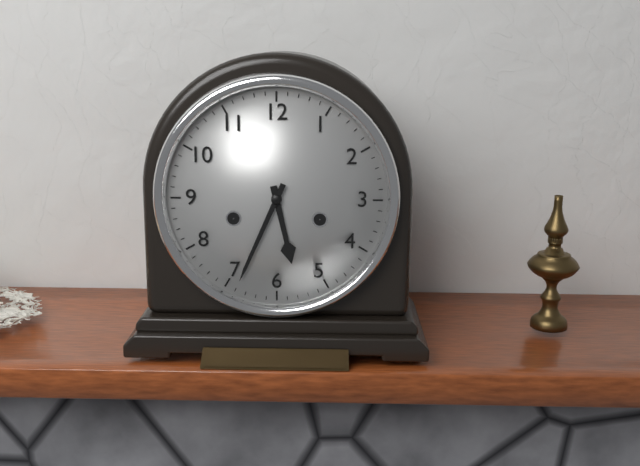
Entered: {"hour": 5, "minute": 34}
